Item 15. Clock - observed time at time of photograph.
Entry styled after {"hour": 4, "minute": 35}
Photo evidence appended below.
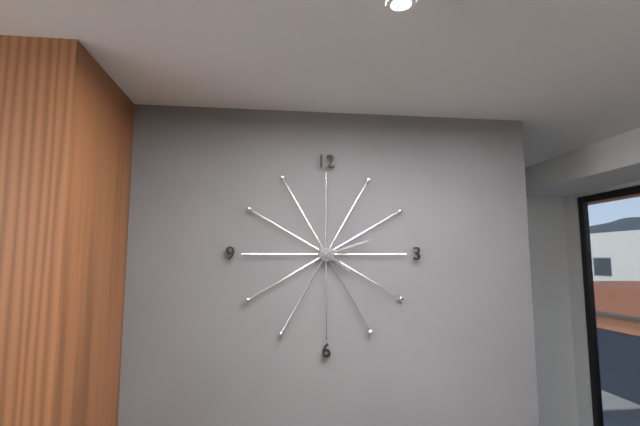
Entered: {"hour": 4, "minute": 12}
